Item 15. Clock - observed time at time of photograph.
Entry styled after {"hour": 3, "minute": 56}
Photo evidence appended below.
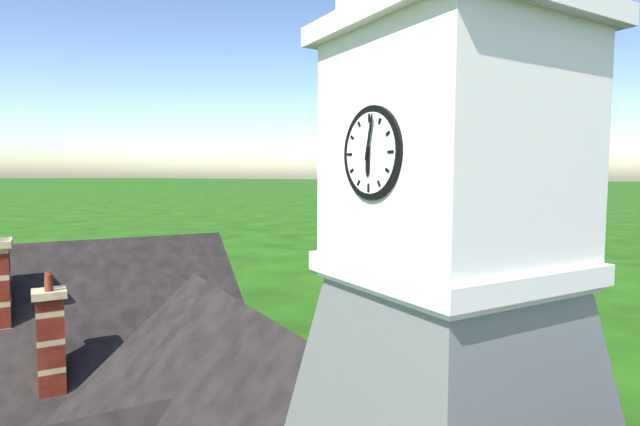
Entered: {"hour": 6, "minute": 2}
